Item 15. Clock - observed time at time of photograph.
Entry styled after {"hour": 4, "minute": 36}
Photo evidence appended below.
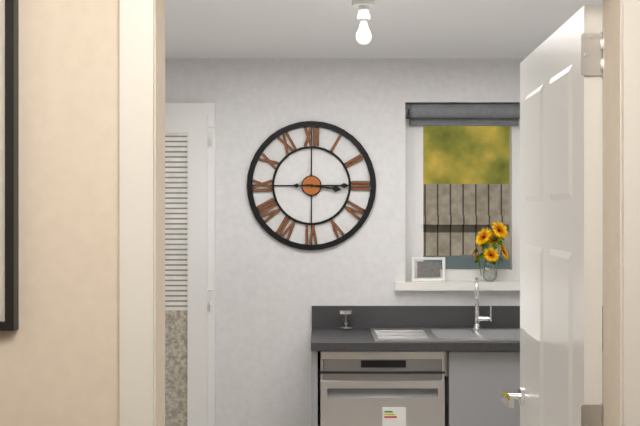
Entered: {"hour": 3, "minute": 15}
